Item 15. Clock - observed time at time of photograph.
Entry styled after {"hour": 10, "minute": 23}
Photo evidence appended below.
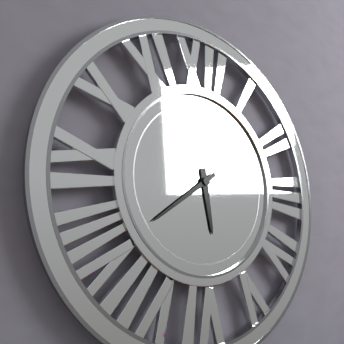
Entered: {"hour": 5, "minute": 39}
